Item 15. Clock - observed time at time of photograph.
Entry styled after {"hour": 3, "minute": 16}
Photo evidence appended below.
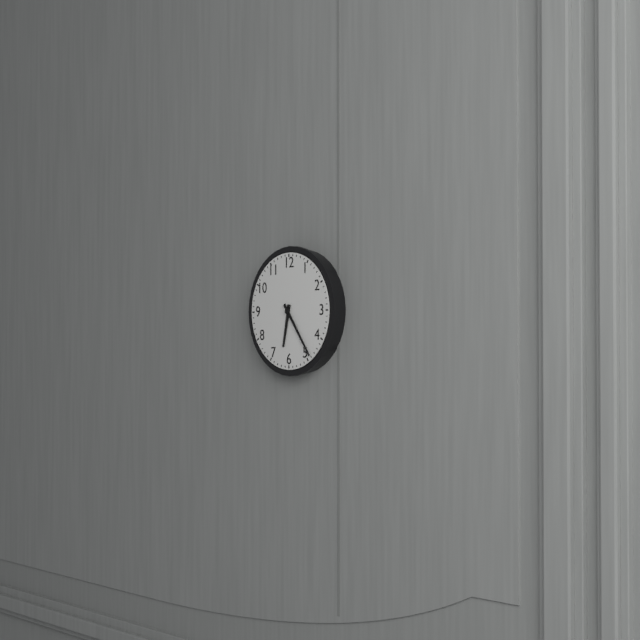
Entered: {"hour": 6, "minute": 24}
